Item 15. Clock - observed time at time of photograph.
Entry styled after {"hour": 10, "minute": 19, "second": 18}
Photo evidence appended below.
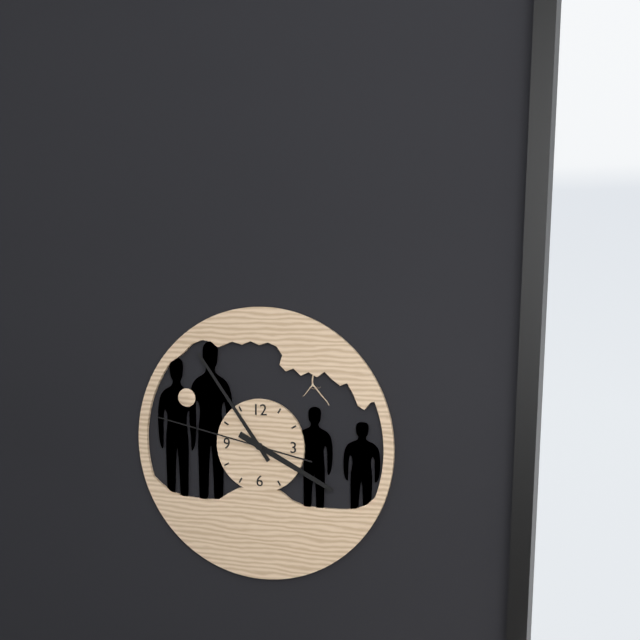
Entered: {"hour": 3, "minute": 54, "second": 47}
